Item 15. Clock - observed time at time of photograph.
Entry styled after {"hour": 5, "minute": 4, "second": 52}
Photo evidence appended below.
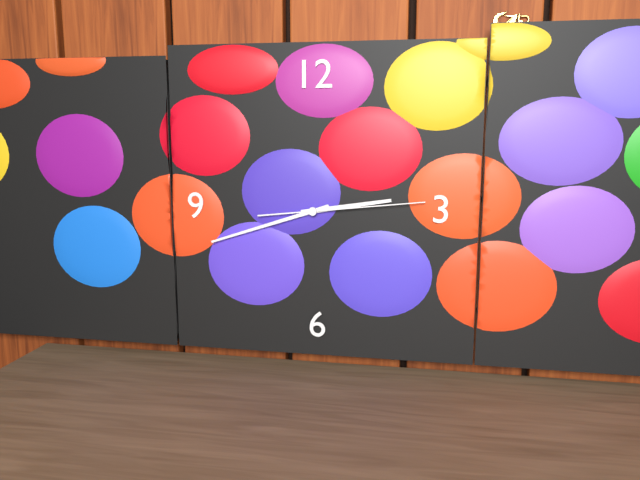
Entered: {"hour": 2, "minute": 42, "second": 14}
